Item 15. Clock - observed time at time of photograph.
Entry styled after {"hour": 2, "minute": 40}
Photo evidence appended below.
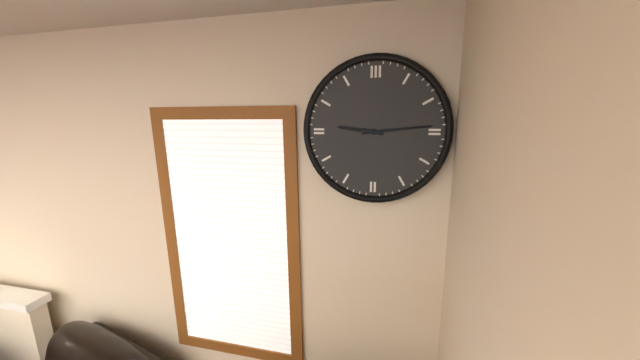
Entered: {"hour": 9, "minute": 14}
